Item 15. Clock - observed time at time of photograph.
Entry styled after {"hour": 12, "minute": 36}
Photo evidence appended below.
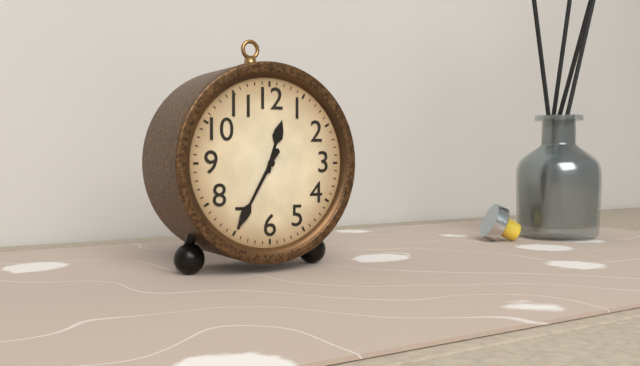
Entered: {"hour": 12, "minute": 35}
